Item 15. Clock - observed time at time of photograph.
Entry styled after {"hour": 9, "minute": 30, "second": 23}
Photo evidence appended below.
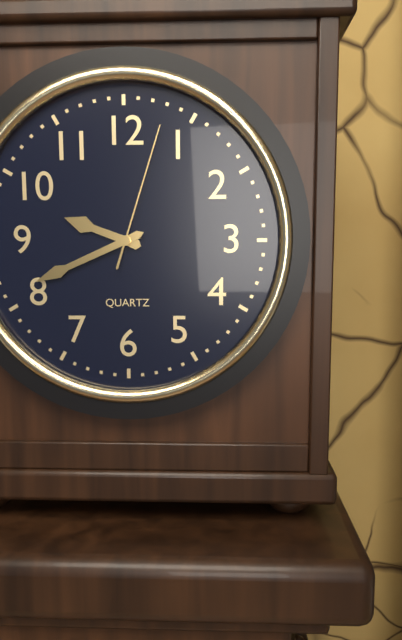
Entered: {"hour": 9, "minute": 41, "second": 3}
